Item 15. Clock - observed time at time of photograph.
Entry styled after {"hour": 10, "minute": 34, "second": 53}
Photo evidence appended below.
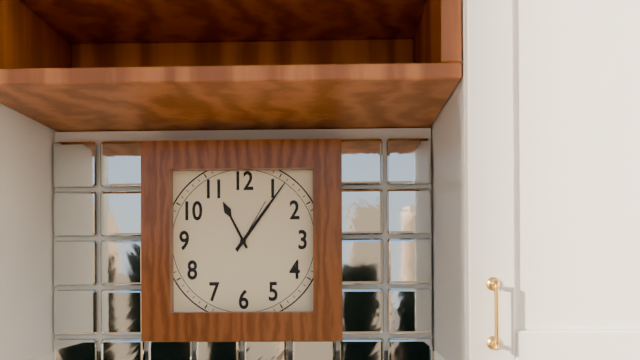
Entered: {"hour": 11, "minute": 6, "second": 5}
